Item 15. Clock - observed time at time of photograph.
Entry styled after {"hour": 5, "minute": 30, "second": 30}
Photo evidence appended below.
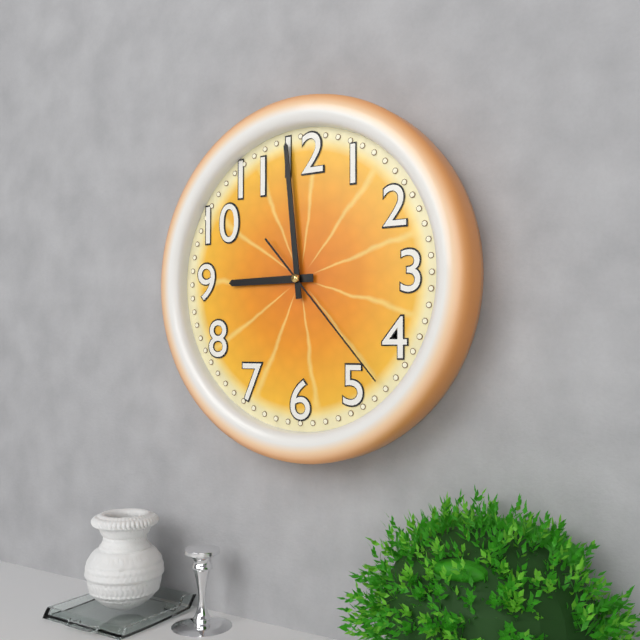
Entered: {"hour": 8, "minute": 59, "second": 23}
